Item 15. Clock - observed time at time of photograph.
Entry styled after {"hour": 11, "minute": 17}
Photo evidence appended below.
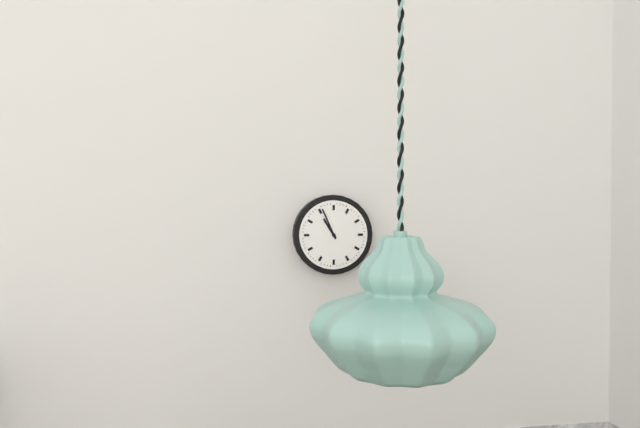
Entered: {"hour": 10, "minute": 56}
